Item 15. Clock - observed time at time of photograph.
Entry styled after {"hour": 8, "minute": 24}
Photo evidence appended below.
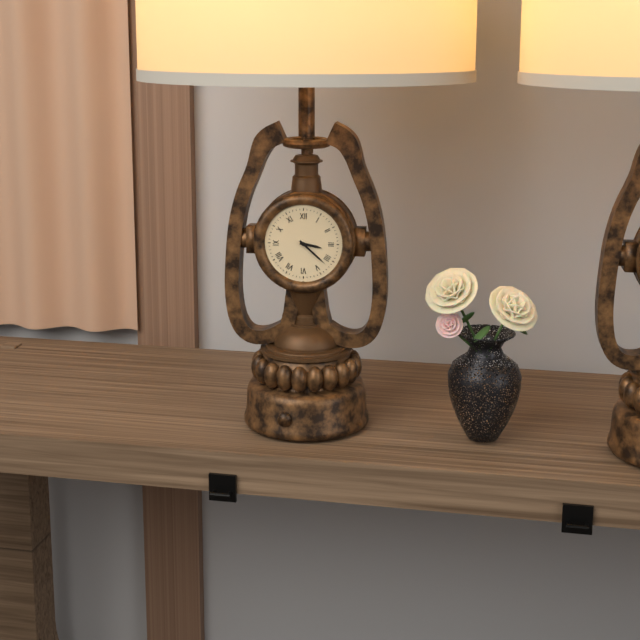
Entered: {"hour": 3, "minute": 22}
